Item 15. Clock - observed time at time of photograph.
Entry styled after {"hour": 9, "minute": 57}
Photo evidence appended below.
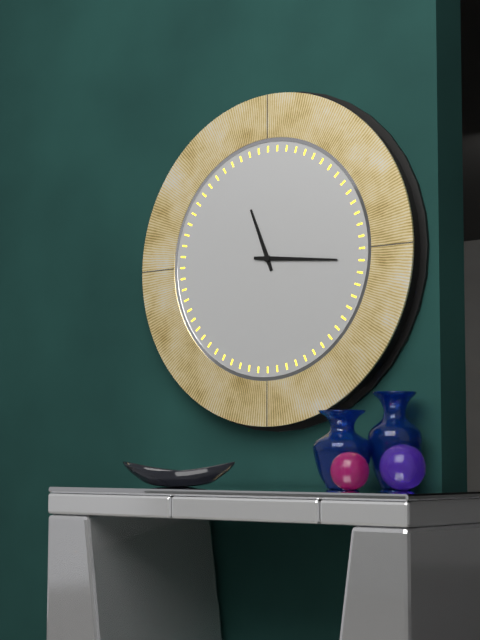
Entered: {"hour": 11, "minute": 16}
